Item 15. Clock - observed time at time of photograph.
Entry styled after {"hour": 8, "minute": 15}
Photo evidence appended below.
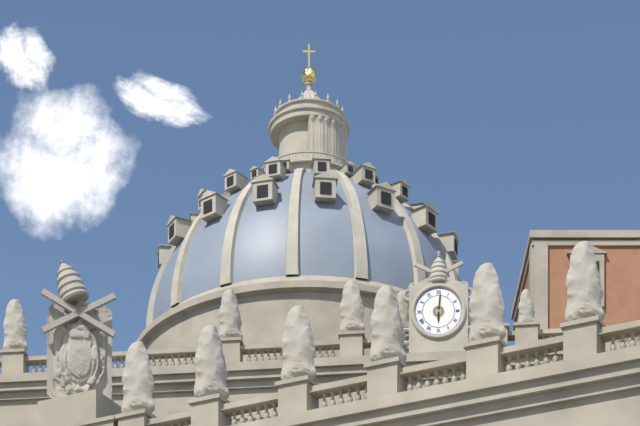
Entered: {"hour": 6, "minute": 1}
